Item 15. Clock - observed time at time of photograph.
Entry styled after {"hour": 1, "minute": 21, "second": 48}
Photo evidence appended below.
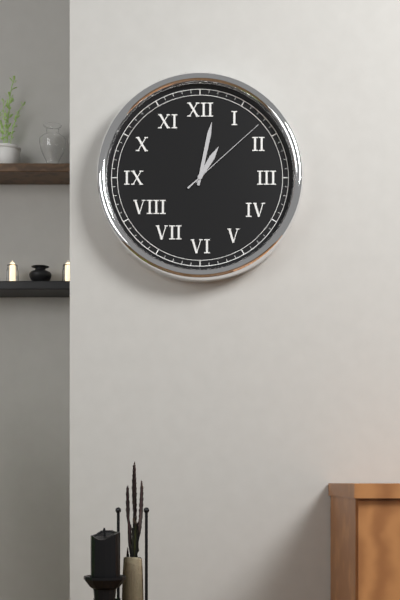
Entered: {"hour": 1, "minute": 2, "second": 8}
